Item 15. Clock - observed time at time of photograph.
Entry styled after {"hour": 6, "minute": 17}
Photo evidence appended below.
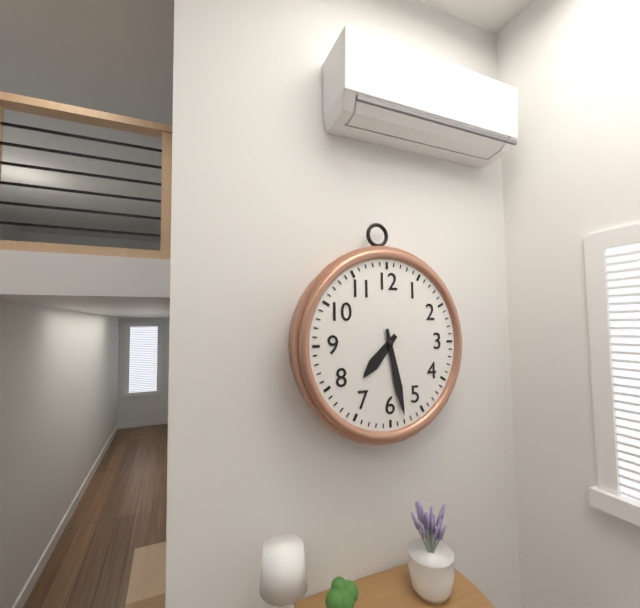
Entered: {"hour": 7, "minute": 28}
